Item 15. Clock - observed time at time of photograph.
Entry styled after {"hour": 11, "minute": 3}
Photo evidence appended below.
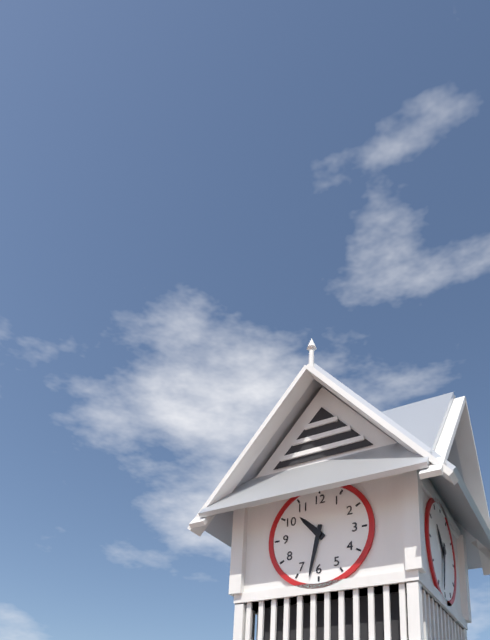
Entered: {"hour": 10, "minute": 32}
